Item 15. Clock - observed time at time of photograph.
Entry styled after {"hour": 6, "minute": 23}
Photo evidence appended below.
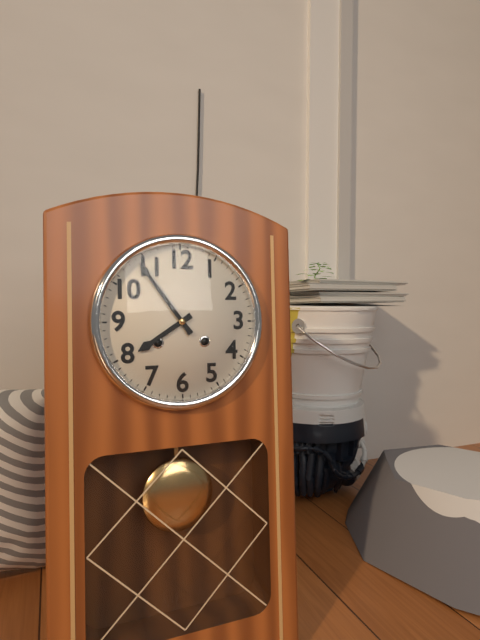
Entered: {"hour": 7, "minute": 54}
